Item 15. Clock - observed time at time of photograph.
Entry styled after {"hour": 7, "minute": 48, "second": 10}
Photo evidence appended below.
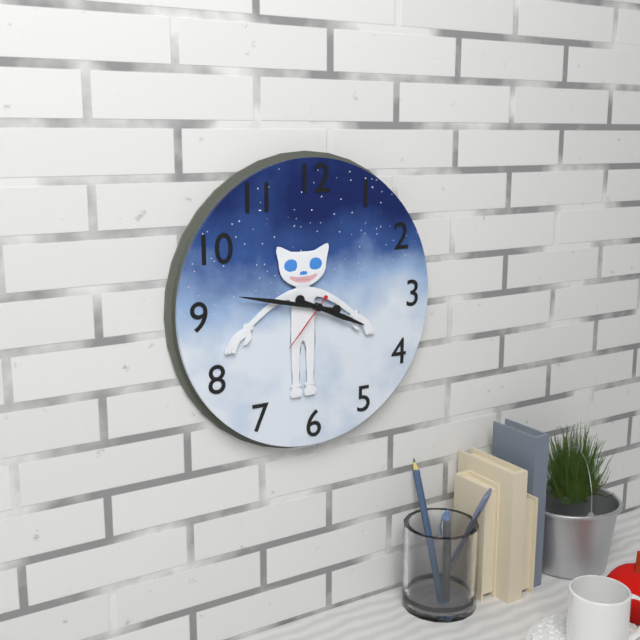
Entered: {"hour": 3, "minute": 47, "second": 37}
